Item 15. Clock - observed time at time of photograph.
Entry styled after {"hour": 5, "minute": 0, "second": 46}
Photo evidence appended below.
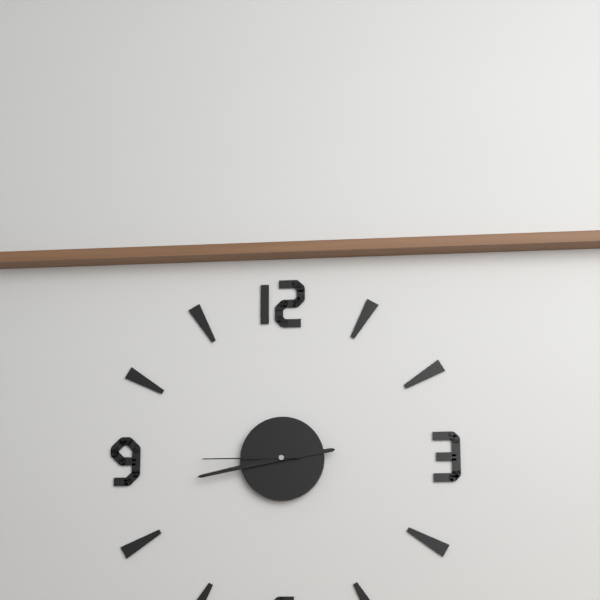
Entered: {"hour": 2, "minute": 43, "second": 45}
